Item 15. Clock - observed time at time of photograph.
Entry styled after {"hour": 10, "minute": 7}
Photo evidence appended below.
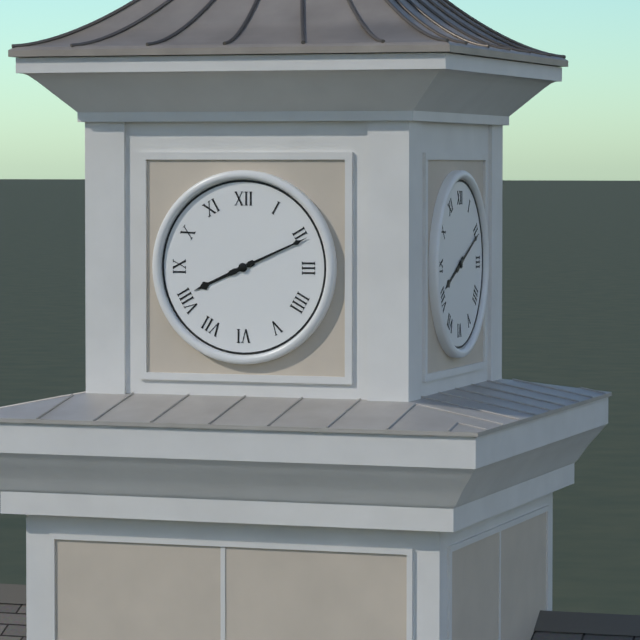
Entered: {"hour": 8, "minute": 11}
